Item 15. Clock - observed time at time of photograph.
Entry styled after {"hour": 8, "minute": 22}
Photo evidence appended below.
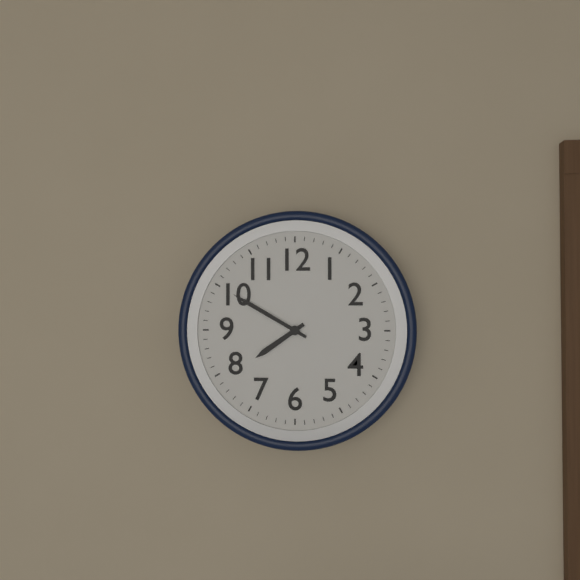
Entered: {"hour": 7, "minute": 50}
